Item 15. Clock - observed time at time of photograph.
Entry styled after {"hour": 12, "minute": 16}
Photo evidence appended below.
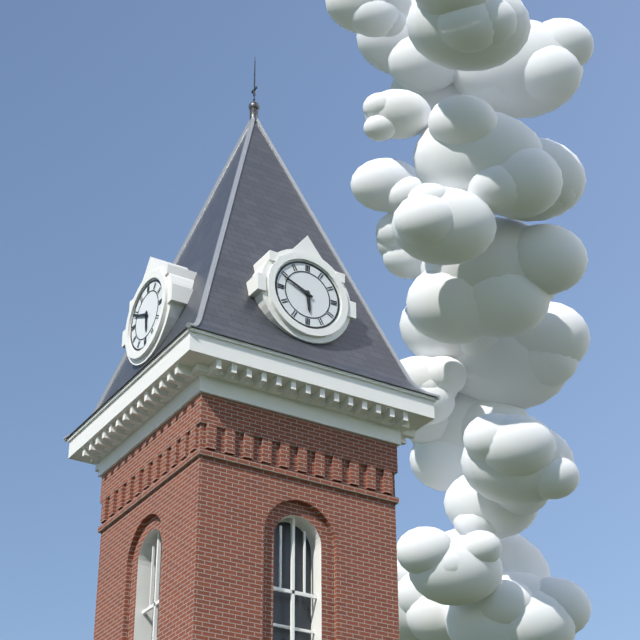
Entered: {"hour": 5, "minute": 49}
